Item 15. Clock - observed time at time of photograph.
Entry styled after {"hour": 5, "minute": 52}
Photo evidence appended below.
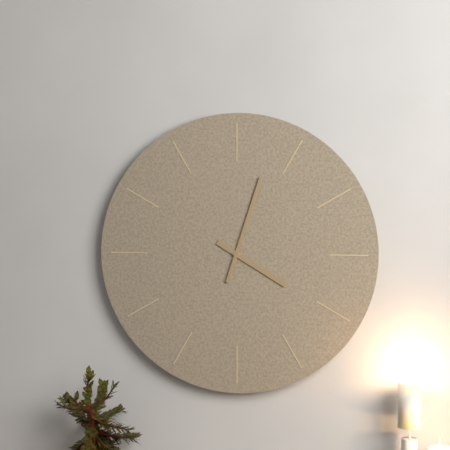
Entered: {"hour": 4, "minute": 3}
